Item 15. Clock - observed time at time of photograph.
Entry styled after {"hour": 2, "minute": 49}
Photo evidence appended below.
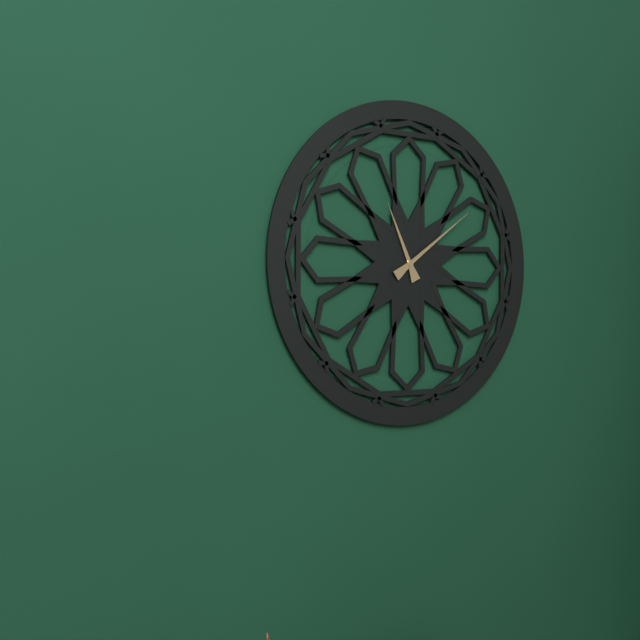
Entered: {"hour": 11, "minute": 9}
